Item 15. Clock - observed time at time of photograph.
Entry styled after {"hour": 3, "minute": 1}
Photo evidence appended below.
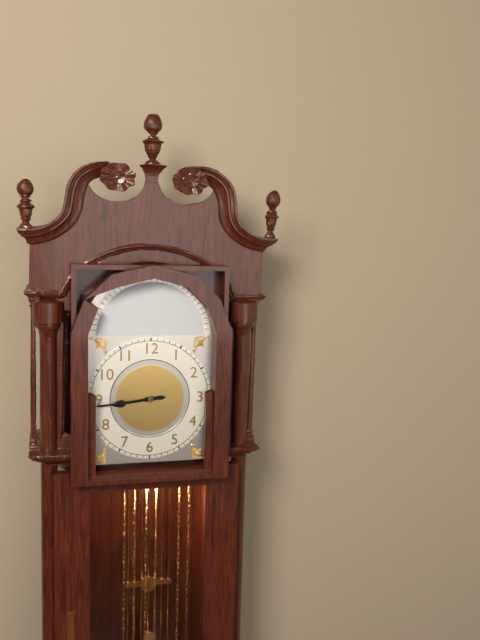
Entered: {"hour": 8, "minute": 44}
